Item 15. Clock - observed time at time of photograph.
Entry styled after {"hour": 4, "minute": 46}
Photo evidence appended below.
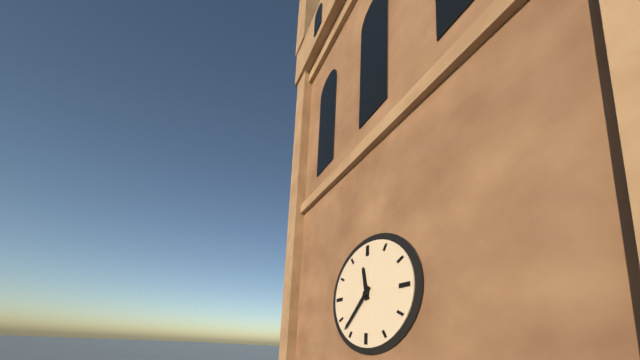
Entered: {"hour": 11, "minute": 37}
